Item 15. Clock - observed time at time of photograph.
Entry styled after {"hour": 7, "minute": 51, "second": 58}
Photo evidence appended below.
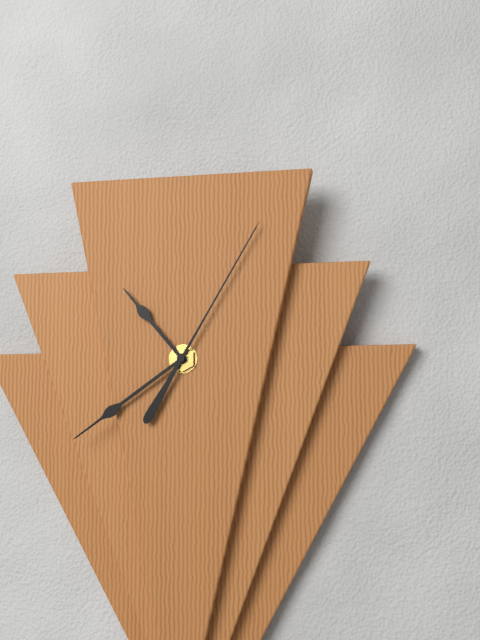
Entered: {"hour": 10, "minute": 39, "second": 5}
